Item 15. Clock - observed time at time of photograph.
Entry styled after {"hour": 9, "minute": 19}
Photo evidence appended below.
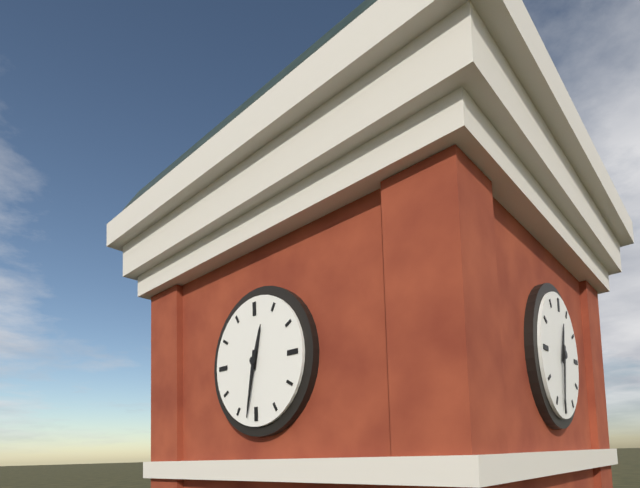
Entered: {"hour": 12, "minute": 32}
